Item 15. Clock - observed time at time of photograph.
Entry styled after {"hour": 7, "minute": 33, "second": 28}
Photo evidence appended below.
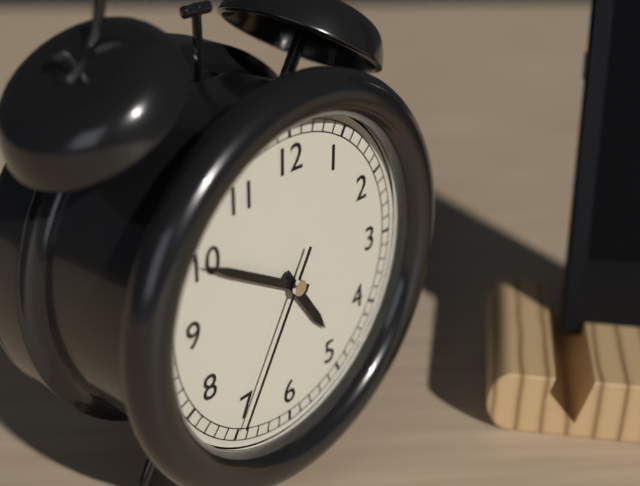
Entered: {"hour": 4, "minute": 50, "second": 35}
